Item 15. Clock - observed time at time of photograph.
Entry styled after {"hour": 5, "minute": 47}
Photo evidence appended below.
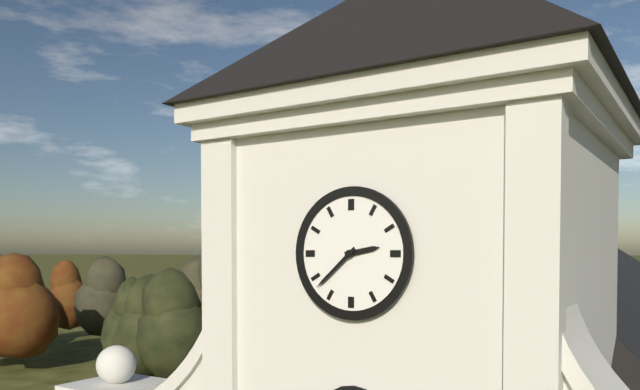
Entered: {"hour": 2, "minute": 38}
